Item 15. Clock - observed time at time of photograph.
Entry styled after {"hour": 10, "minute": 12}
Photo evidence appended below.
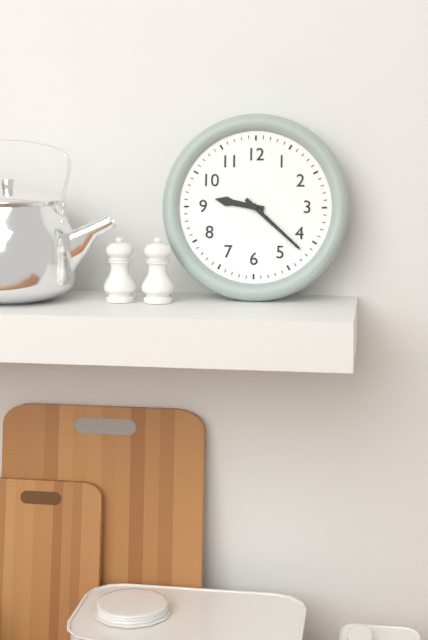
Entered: {"hour": 9, "minute": 22}
